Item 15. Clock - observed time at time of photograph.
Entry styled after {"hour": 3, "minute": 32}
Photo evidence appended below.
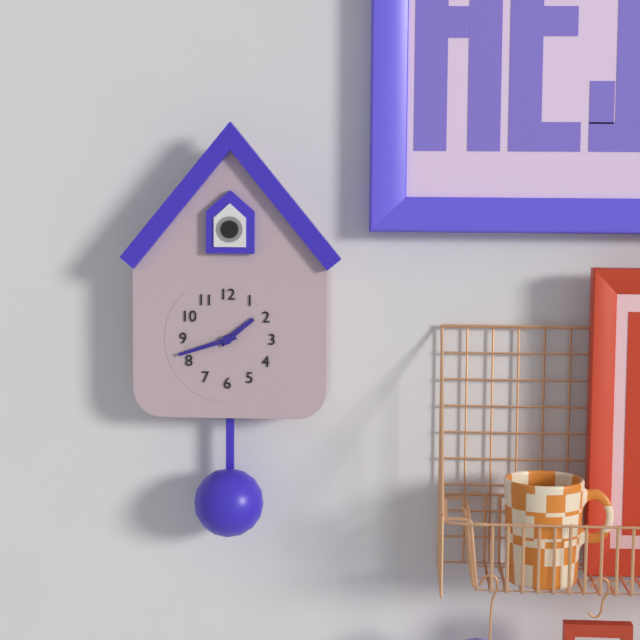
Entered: {"hour": 1, "minute": 42}
